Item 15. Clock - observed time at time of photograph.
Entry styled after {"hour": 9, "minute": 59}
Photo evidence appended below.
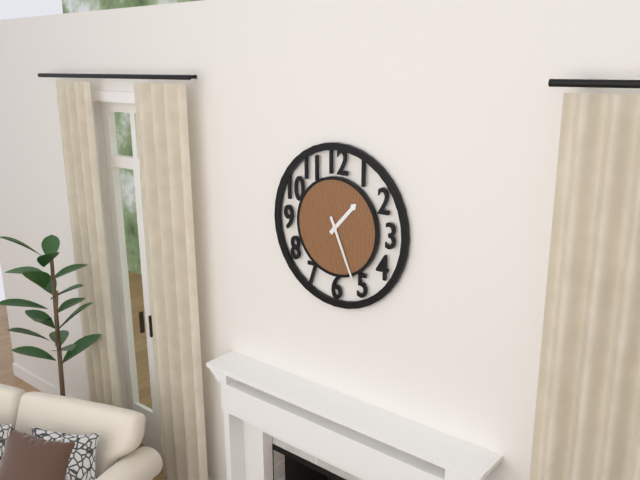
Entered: {"hour": 1, "minute": 26}
